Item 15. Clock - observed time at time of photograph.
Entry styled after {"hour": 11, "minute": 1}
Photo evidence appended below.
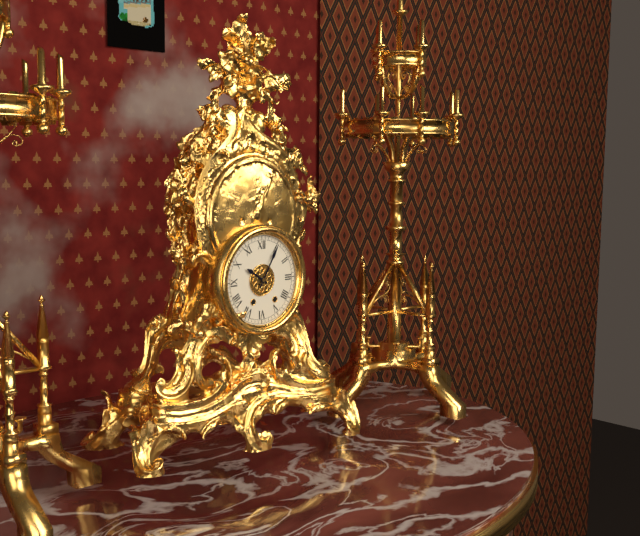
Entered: {"hour": 10, "minute": 5}
